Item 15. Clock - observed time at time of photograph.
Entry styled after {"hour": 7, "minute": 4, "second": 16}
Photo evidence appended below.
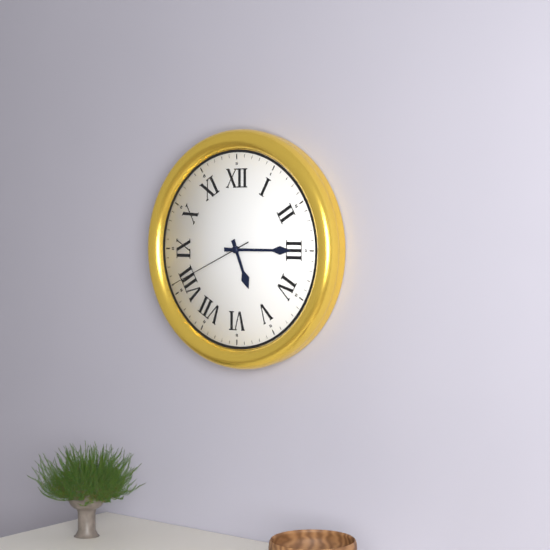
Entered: {"hour": 5, "minute": 15, "second": 41}
